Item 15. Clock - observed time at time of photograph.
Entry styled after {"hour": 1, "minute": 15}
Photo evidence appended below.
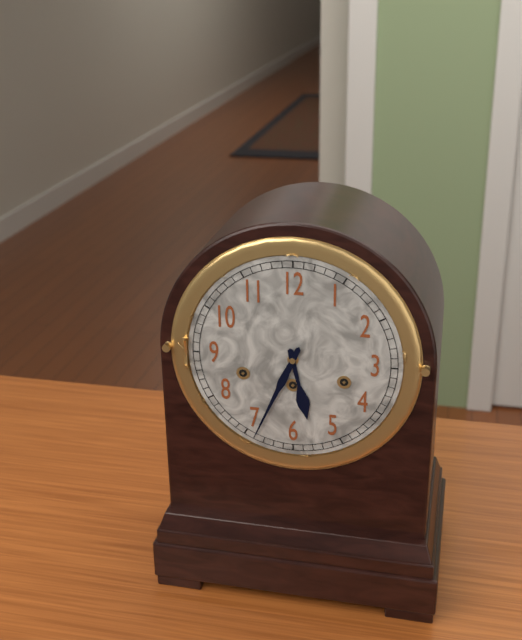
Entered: {"hour": 5, "minute": 34}
